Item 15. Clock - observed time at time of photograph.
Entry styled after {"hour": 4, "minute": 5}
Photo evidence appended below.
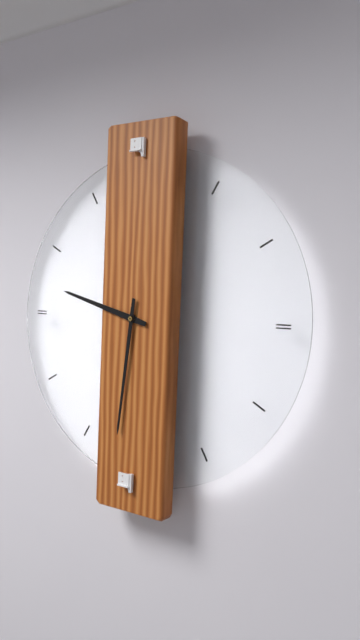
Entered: {"hour": 9, "minute": 31}
